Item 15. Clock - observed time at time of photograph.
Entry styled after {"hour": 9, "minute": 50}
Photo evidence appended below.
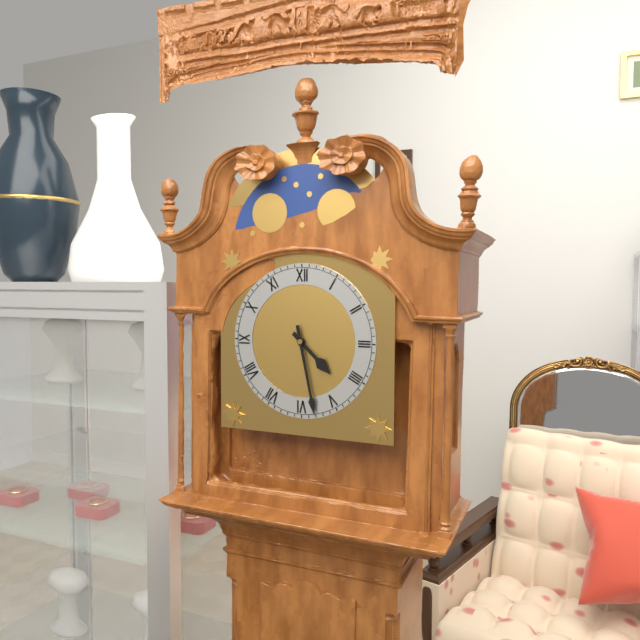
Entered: {"hour": 4, "minute": 28}
